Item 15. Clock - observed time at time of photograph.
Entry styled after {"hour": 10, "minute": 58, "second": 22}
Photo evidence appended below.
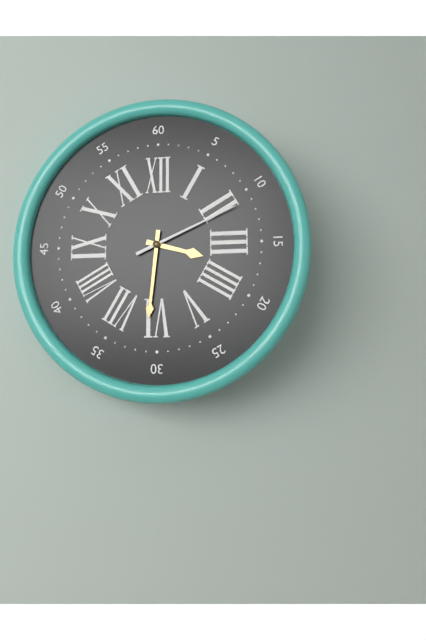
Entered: {"hour": 3, "minute": 31, "second": 11}
